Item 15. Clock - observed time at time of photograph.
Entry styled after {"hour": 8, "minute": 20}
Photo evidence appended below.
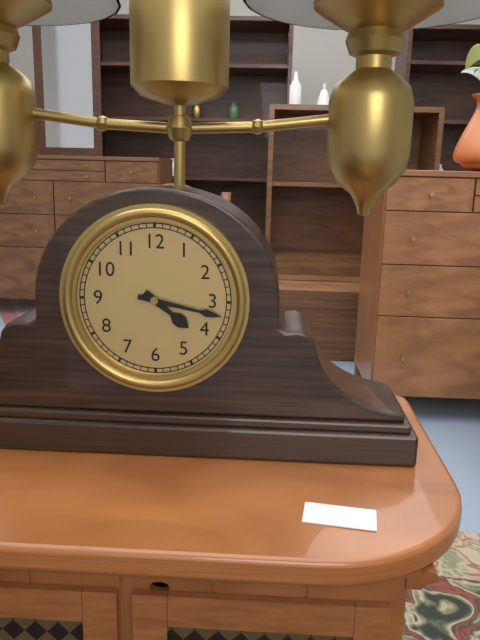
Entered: {"hour": 4, "minute": 17}
